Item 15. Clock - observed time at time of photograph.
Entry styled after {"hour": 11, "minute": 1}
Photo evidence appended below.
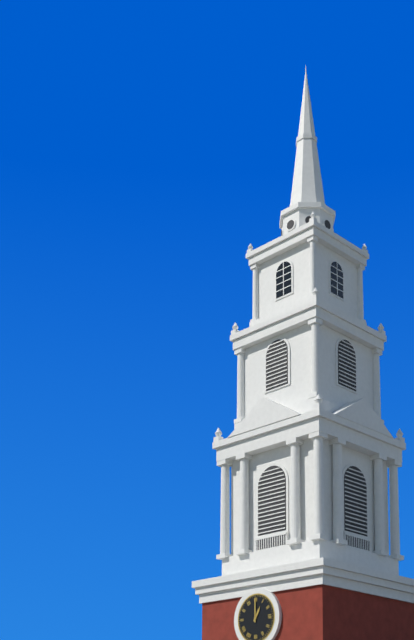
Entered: {"hour": 1, "minute": 0}
